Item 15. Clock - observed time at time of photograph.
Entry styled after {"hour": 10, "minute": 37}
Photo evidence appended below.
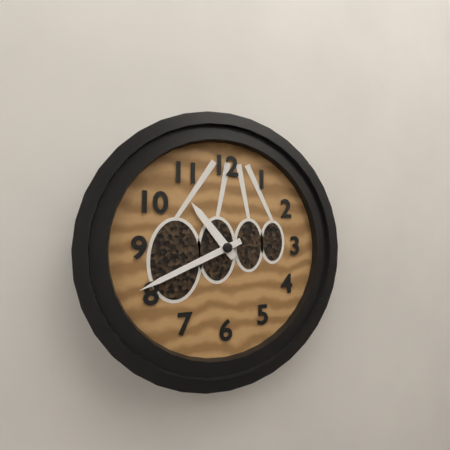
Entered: {"hour": 10, "minute": 41}
